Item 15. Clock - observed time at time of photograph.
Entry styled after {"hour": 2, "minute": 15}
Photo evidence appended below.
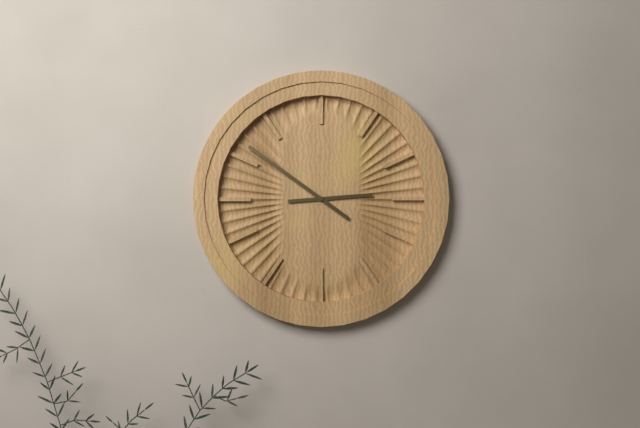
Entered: {"hour": 2, "minute": 51}
